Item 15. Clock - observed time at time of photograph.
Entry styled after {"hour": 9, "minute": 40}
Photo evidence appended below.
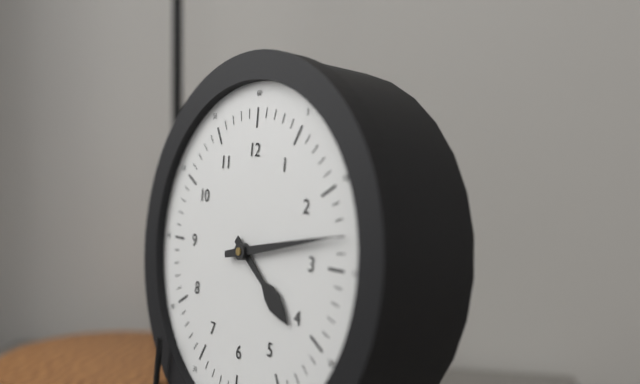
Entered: {"hour": 4, "minute": 13}
